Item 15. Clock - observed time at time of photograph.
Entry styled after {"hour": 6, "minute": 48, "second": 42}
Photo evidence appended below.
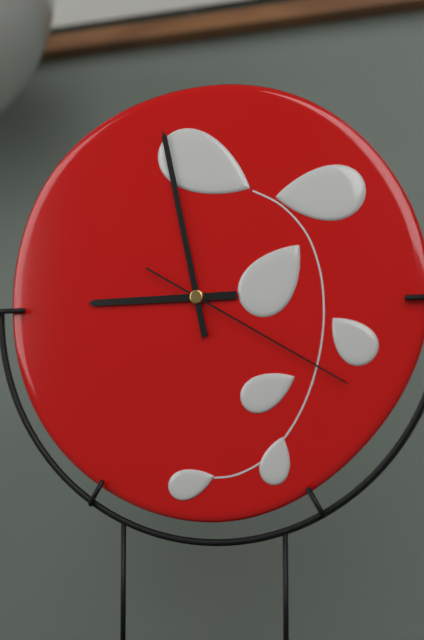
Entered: {"hour": 8, "minute": 58, "second": 20}
